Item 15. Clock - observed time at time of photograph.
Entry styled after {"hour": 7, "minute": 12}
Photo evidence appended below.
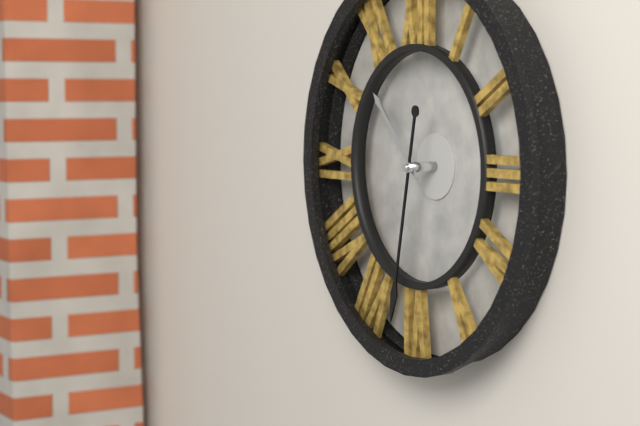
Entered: {"hour": 10, "minute": 32}
